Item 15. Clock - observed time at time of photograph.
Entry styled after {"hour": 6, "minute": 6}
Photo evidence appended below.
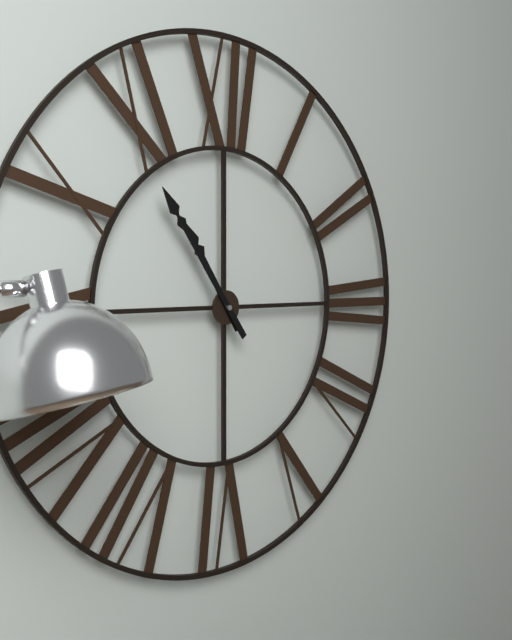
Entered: {"hour": 10, "minute": 54}
